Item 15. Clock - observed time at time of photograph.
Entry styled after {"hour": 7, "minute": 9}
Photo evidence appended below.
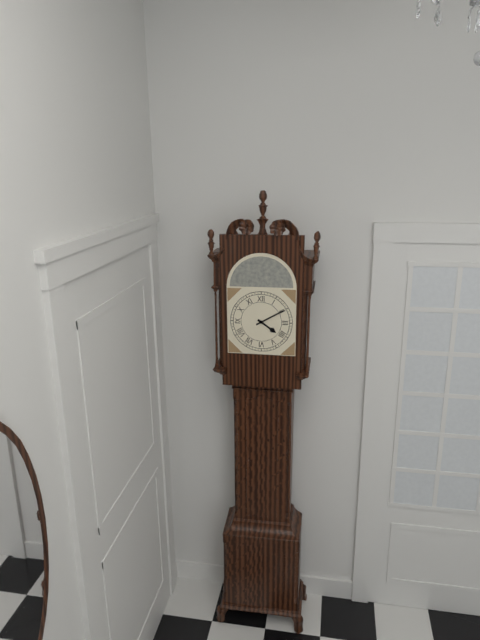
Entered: {"hour": 4, "minute": 10}
